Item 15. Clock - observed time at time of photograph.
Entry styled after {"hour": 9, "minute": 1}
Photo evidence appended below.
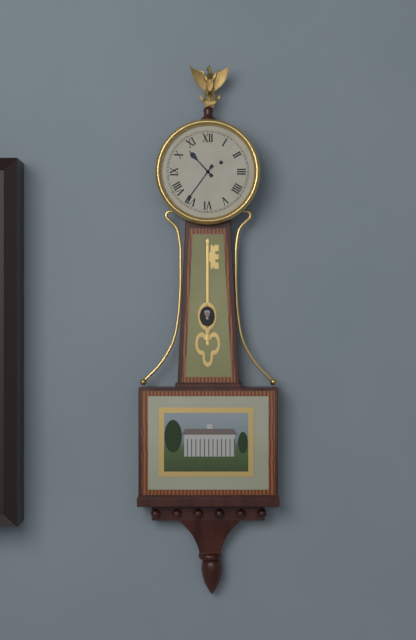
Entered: {"hour": 10, "minute": 36}
